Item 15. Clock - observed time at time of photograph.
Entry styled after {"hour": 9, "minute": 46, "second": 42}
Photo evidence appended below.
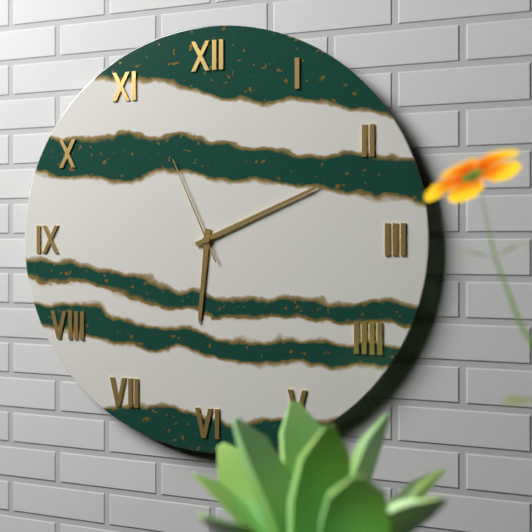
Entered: {"hour": 6, "minute": 11, "second": 56}
